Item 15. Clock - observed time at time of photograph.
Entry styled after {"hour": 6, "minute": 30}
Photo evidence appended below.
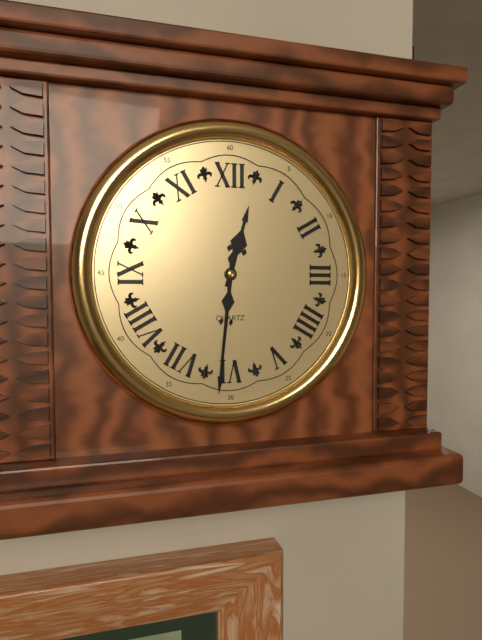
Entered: {"hour": 12, "minute": 31}
